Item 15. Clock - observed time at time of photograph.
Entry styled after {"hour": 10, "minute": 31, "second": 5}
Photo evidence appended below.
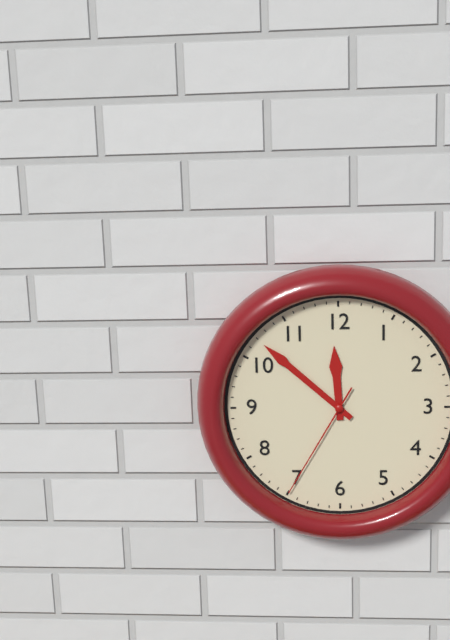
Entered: {"hour": 11, "minute": 52, "second": 35}
